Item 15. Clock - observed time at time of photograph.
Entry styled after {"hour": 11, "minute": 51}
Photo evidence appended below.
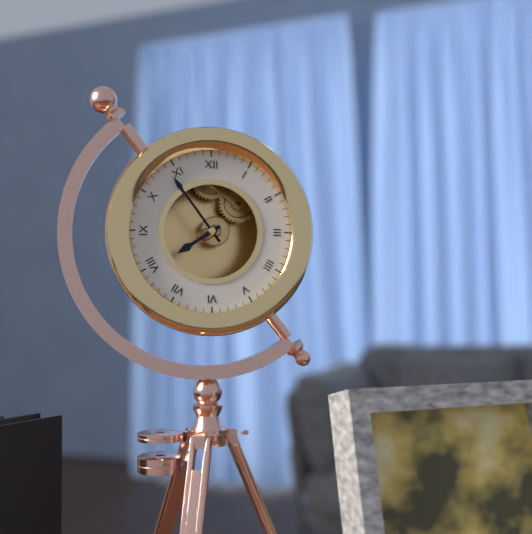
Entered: {"hour": 7, "minute": 54}
